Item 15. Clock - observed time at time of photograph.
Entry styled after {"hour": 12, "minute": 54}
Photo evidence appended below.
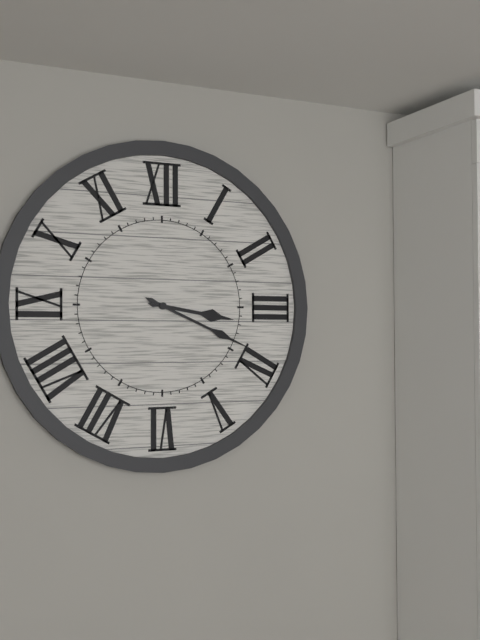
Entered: {"hour": 3, "minute": 19}
